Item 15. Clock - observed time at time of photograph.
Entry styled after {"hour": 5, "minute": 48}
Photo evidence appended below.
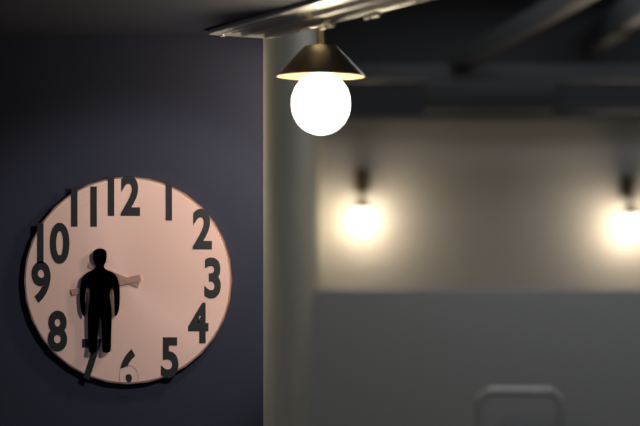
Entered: {"hour": 9, "minute": 43}
